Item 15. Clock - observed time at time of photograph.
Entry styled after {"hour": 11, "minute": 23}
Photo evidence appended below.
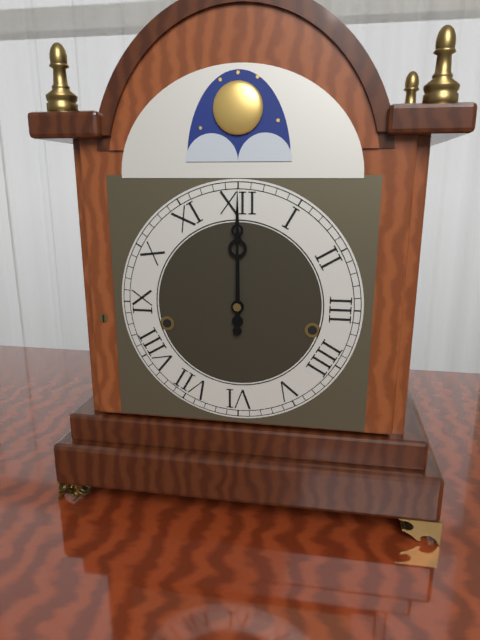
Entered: {"hour": 12, "minute": 0}
